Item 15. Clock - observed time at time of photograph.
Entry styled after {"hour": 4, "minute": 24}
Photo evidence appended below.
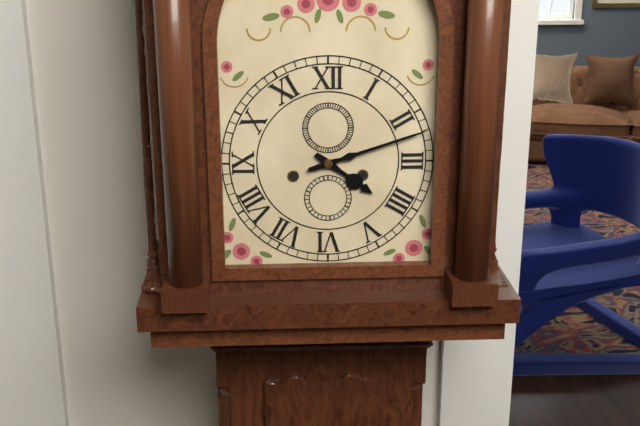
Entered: {"hour": 4, "minute": 12}
